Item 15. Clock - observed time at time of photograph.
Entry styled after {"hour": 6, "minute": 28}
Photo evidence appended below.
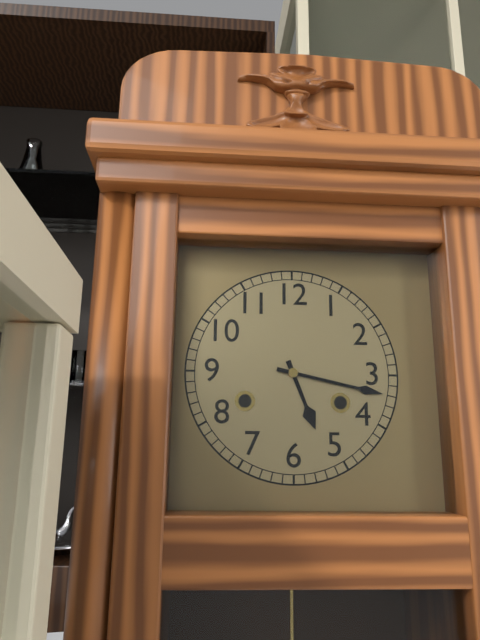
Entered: {"hour": 5, "minute": 17}
